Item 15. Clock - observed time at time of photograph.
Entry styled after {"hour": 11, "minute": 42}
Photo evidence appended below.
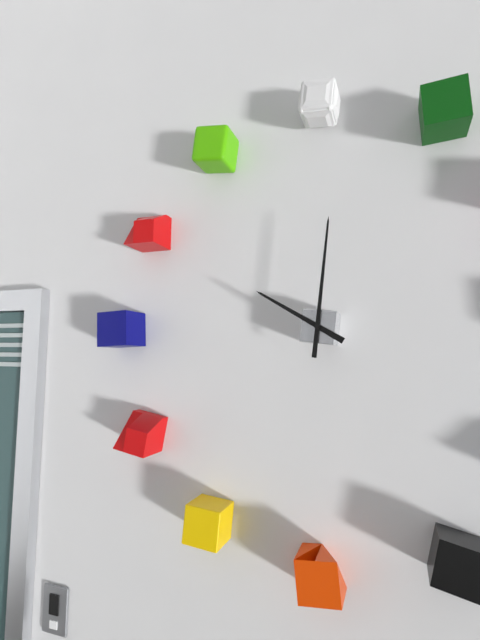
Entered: {"hour": 10, "minute": 1}
